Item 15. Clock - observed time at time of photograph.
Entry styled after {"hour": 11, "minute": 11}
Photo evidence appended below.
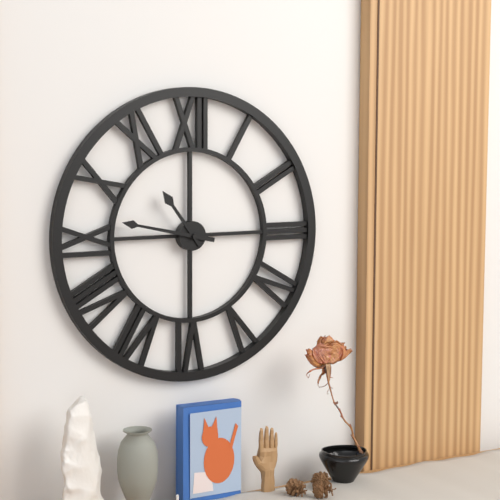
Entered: {"hour": 10, "minute": 47}
